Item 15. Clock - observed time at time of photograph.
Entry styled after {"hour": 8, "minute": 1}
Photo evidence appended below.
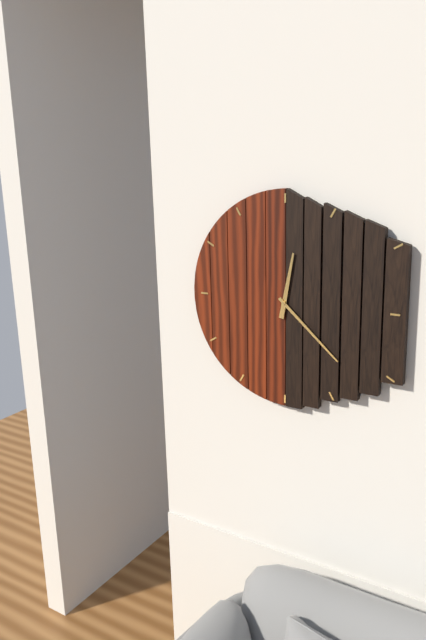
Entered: {"hour": 12, "minute": 22}
